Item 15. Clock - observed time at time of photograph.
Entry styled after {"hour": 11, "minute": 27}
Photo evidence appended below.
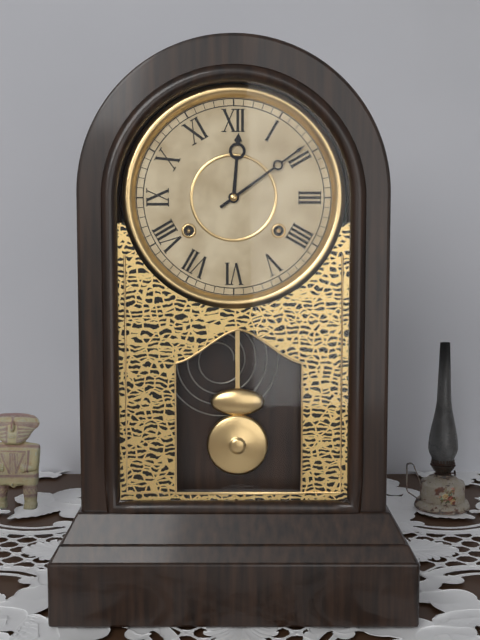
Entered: {"hour": 12, "minute": 9}
